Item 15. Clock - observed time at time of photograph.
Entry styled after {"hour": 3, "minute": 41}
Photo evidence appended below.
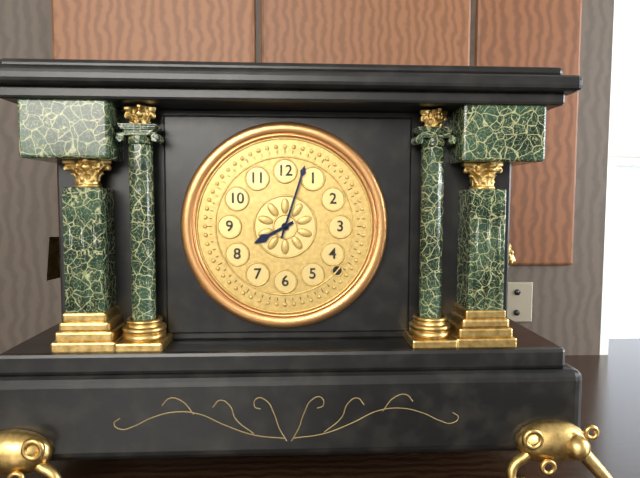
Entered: {"hour": 8, "minute": 3}
